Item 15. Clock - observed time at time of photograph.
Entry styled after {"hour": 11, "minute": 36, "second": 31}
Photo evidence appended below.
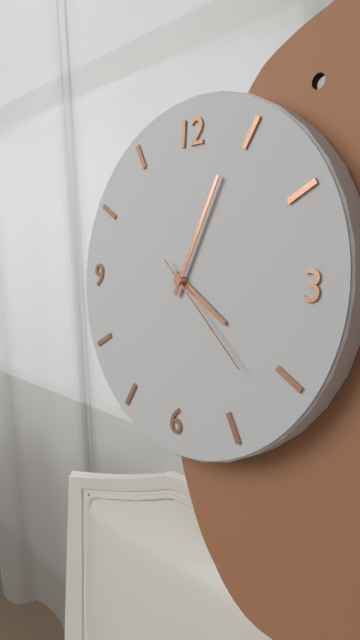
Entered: {"hour": 4, "minute": 4, "second": 22}
